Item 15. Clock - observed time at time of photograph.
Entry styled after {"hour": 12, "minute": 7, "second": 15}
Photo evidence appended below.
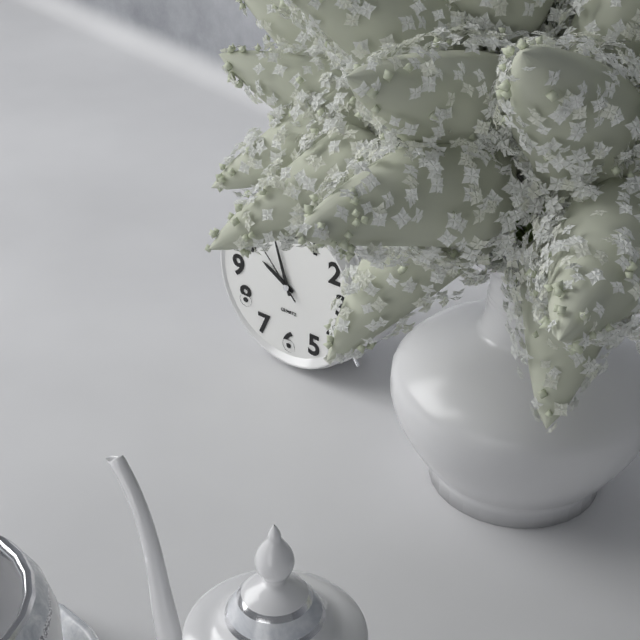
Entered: {"hour": 9, "minute": 57, "second": 53}
